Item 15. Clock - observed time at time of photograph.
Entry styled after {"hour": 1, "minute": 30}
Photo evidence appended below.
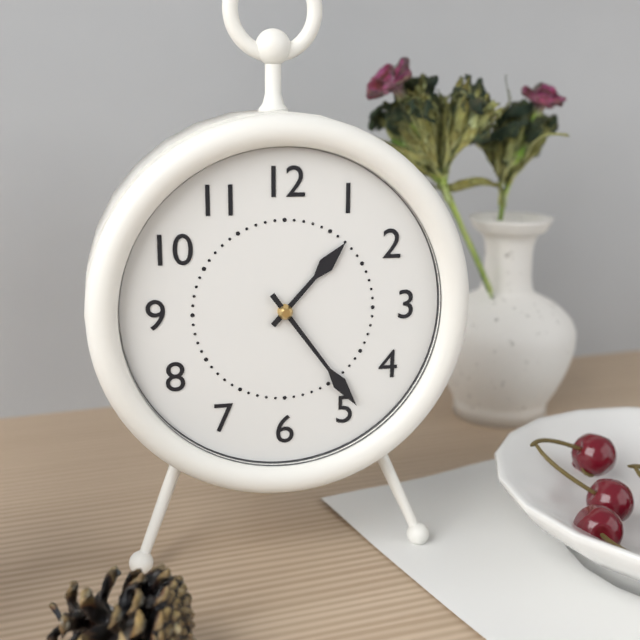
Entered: {"hour": 1, "minute": 24}
